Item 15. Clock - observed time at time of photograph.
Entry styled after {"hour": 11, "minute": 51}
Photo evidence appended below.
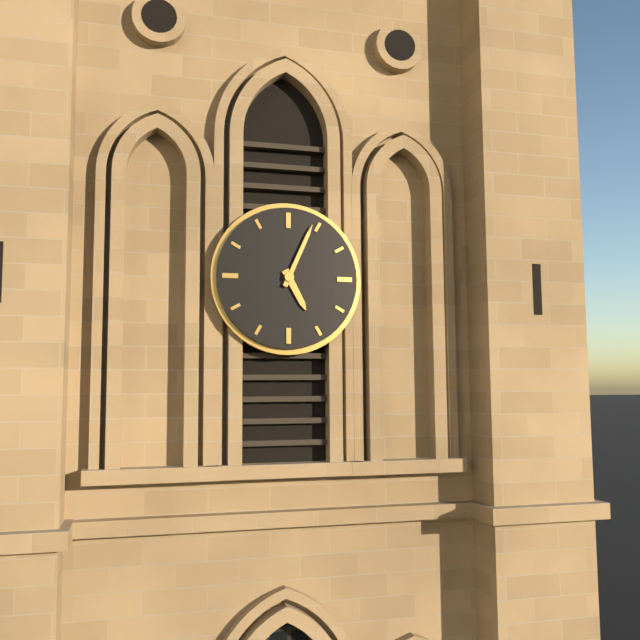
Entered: {"hour": 5, "minute": 4}
